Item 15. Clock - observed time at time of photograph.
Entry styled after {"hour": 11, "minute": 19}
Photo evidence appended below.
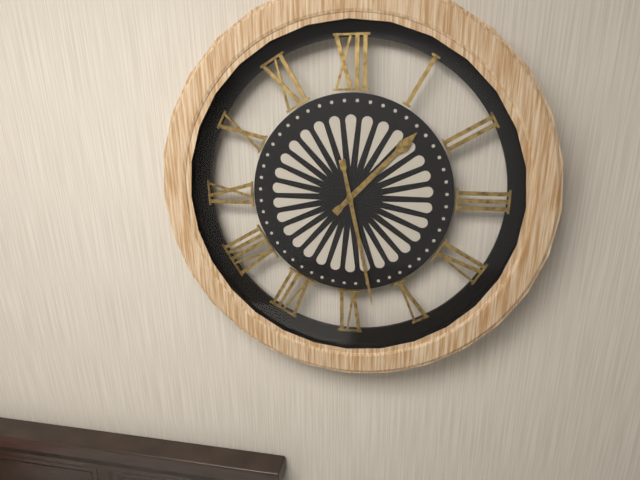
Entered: {"hour": 1, "minute": 28}
